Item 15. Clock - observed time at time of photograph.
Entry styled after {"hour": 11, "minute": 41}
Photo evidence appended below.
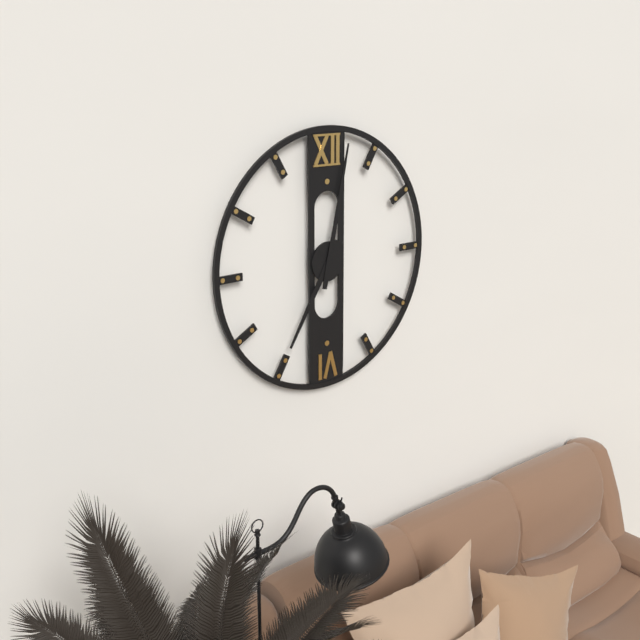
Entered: {"hour": 7, "minute": 2}
